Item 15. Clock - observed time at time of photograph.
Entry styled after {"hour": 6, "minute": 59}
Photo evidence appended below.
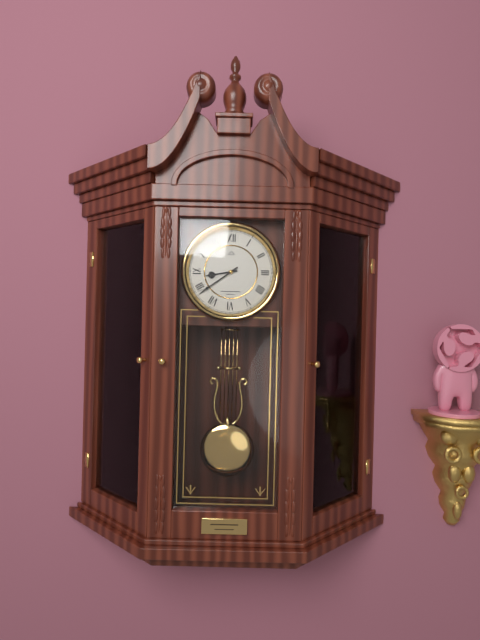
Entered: {"hour": 8, "minute": 39}
